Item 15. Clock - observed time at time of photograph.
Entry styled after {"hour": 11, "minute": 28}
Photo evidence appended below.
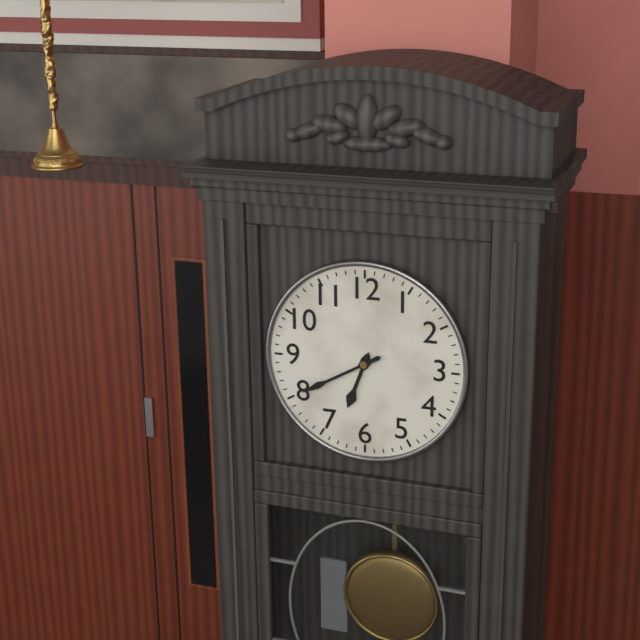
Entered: {"hour": 6, "minute": 40}
